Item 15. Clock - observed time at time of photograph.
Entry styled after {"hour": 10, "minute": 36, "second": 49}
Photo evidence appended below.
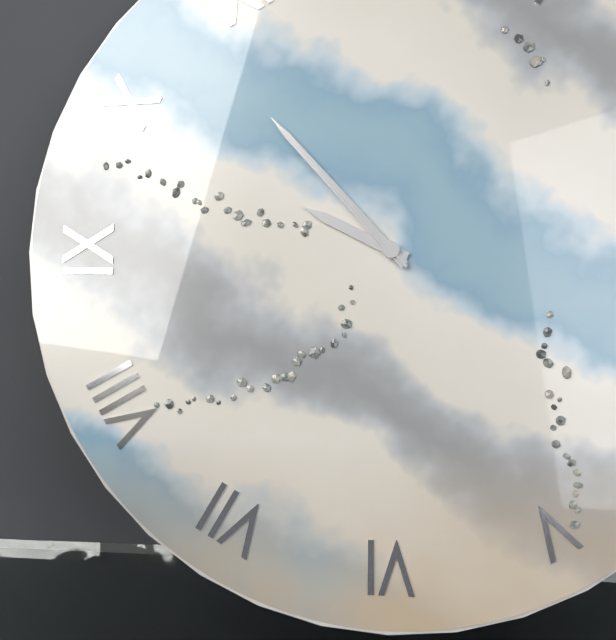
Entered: {"hour": 9, "minute": 53, "second": 53}
